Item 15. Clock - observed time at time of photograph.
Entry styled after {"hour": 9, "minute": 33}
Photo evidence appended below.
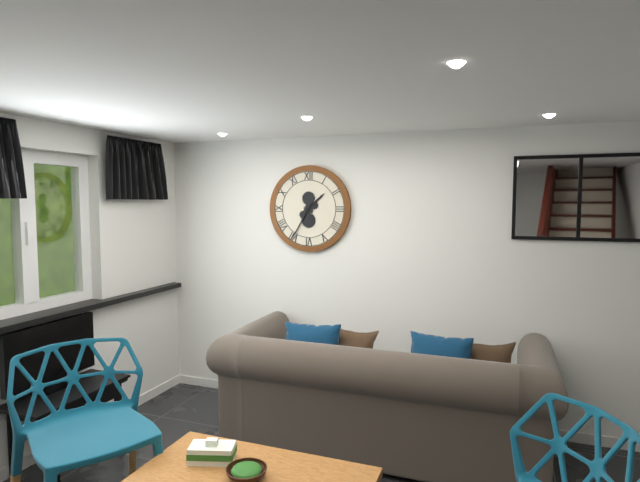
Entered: {"hour": 1, "minute": 35}
